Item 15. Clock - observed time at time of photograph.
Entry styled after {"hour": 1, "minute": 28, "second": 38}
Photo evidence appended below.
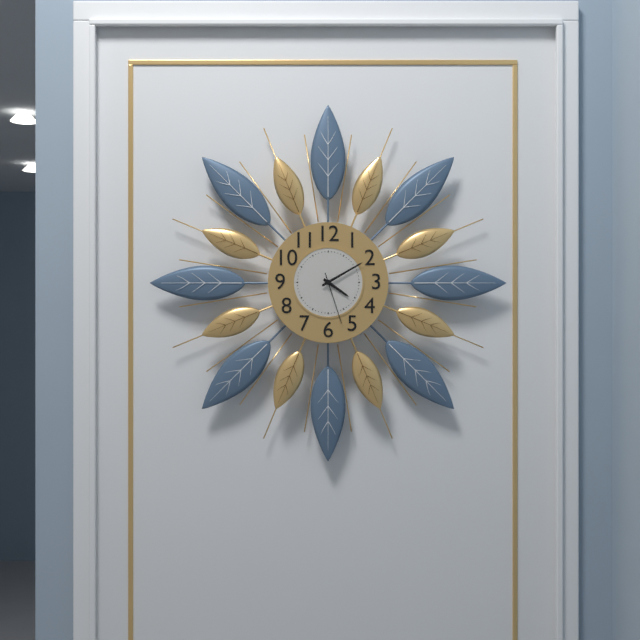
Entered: {"hour": 4, "minute": 10, "second": 27}
